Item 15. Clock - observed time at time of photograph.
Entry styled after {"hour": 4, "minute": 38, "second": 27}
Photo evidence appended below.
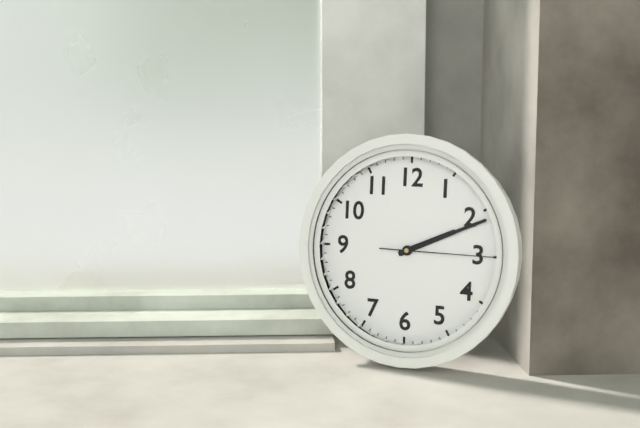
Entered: {"hour": 2, "minute": 11, "second": 15}
